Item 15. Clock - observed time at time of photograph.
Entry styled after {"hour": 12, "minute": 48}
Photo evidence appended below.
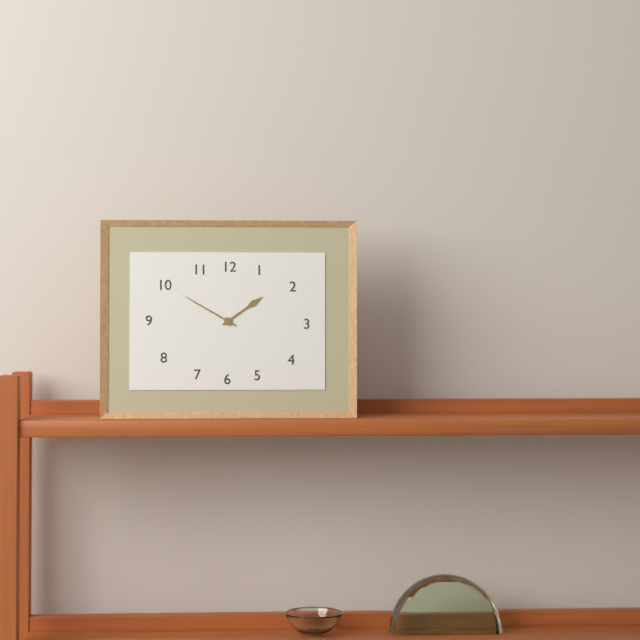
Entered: {"hour": 1, "minute": 50}
